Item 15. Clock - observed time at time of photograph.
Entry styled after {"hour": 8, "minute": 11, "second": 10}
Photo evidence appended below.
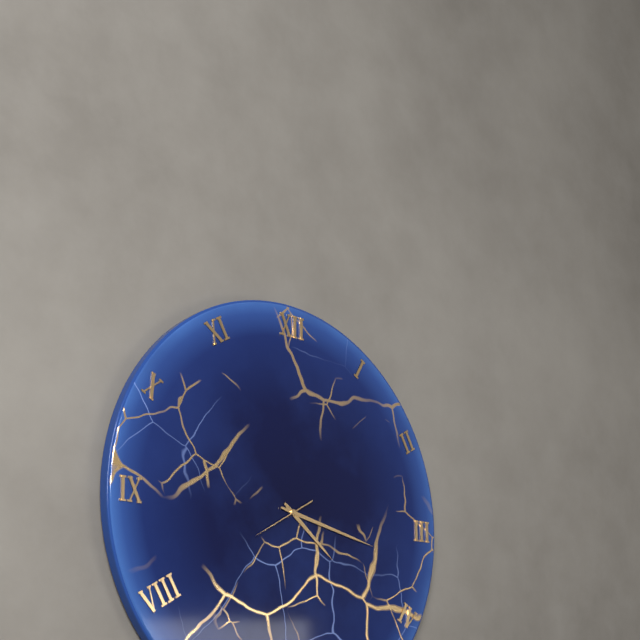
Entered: {"hour": 4, "minute": 17, "second": 40}
